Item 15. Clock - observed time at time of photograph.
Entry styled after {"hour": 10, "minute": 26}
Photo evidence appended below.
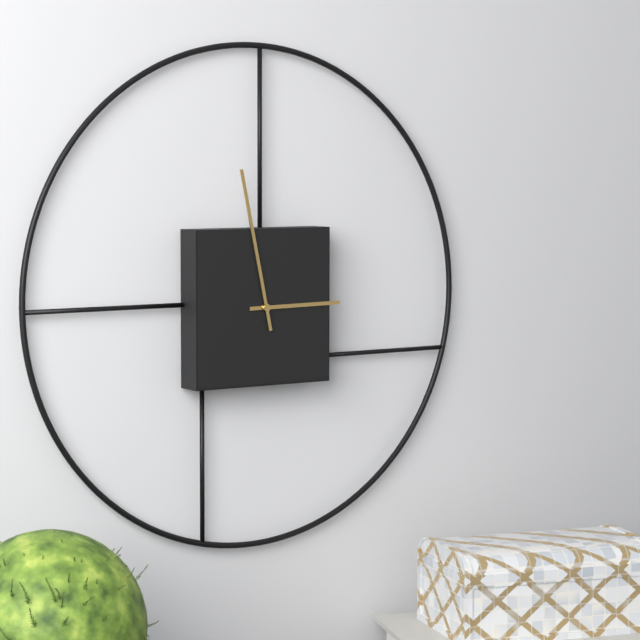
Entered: {"hour": 2, "minute": 58}
